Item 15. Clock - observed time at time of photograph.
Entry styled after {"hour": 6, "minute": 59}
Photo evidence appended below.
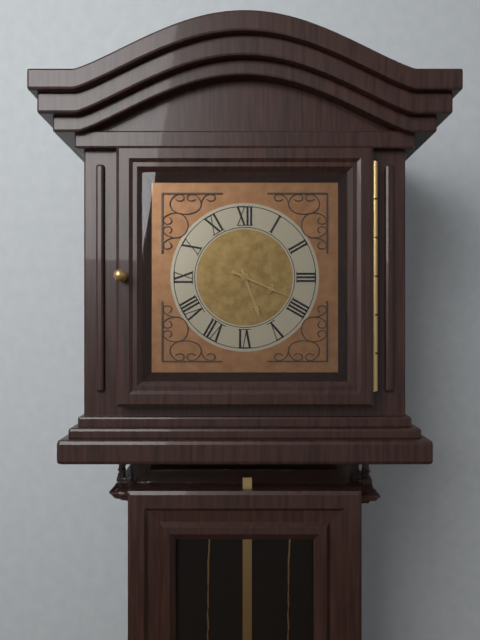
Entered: {"hour": 5, "minute": 19}
